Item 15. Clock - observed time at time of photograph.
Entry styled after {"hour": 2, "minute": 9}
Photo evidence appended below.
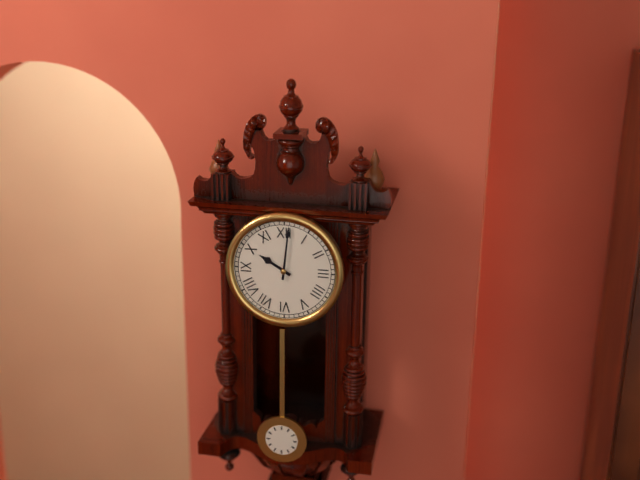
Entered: {"hour": 10, "minute": 1}
